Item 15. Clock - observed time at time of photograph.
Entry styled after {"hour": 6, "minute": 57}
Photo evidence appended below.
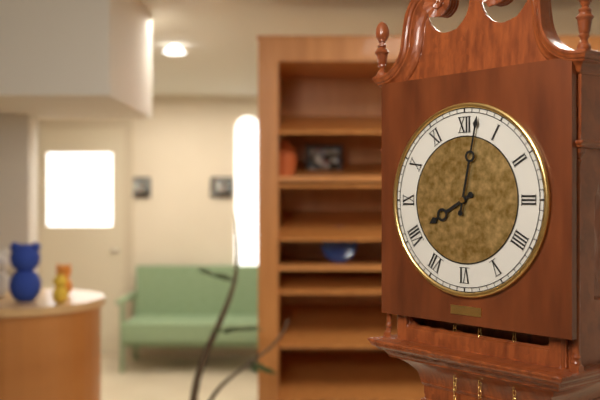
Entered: {"hour": 8, "minute": 2}
